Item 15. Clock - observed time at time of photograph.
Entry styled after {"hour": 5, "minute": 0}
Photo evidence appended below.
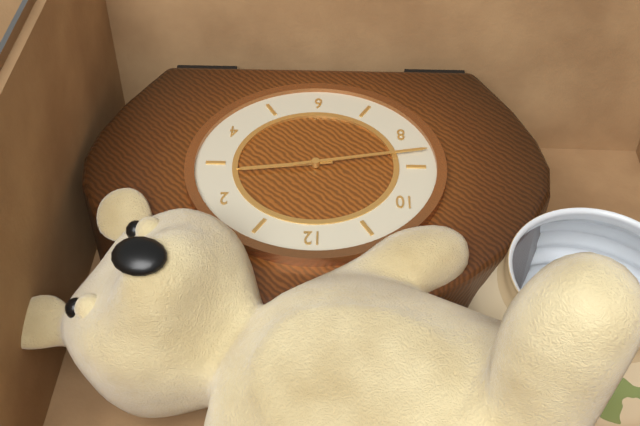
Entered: {"hour": 2, "minute": 43}
